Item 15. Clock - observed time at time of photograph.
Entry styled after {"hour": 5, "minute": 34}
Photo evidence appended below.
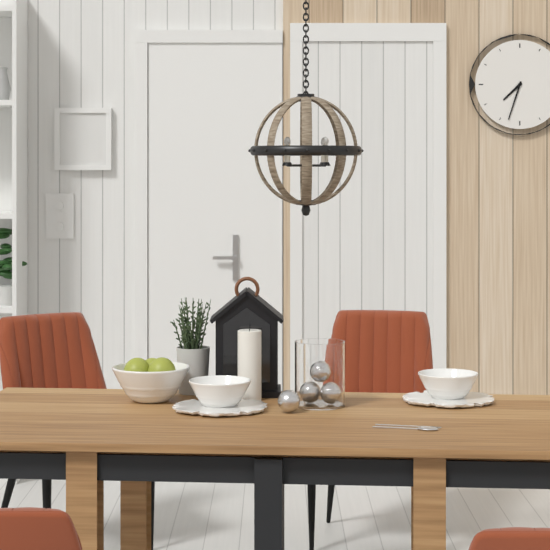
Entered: {"hour": 7, "minute": 33}
